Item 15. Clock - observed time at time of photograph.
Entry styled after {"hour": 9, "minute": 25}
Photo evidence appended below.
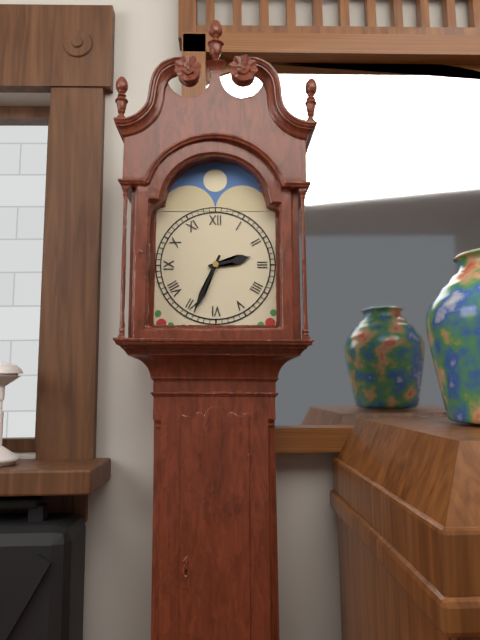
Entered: {"hour": 2, "minute": 34}
